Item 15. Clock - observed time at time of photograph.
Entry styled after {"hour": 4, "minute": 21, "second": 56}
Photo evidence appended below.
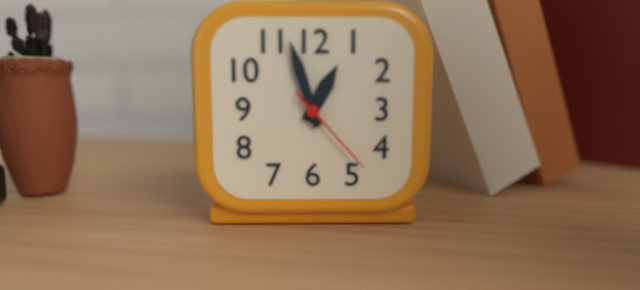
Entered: {"hour": 12, "minute": 57, "second": 23}
